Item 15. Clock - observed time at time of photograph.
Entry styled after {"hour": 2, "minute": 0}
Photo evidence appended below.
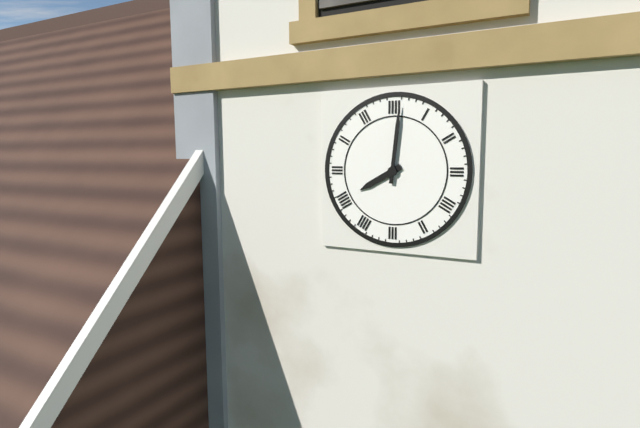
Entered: {"hour": 8, "minute": 1}
